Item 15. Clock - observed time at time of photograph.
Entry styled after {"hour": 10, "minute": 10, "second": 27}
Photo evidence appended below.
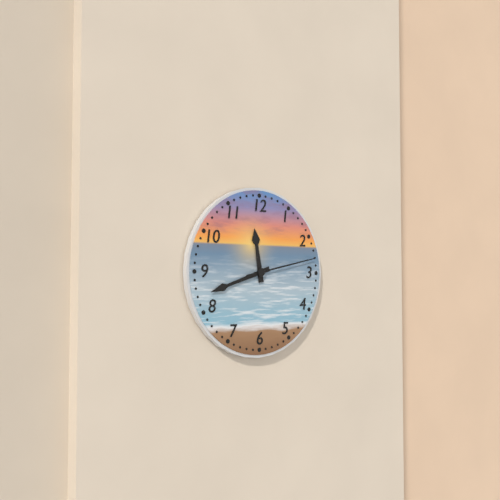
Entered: {"hour": 11, "minute": 42, "second": 13}
